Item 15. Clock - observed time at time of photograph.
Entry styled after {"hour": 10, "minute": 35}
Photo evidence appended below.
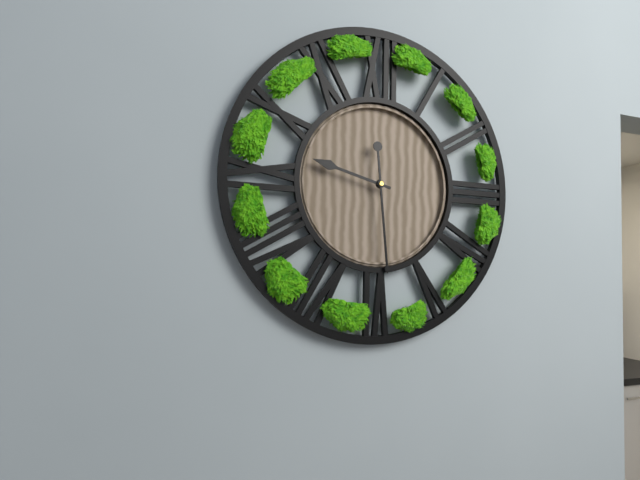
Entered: {"hour": 9, "minute": 29}
